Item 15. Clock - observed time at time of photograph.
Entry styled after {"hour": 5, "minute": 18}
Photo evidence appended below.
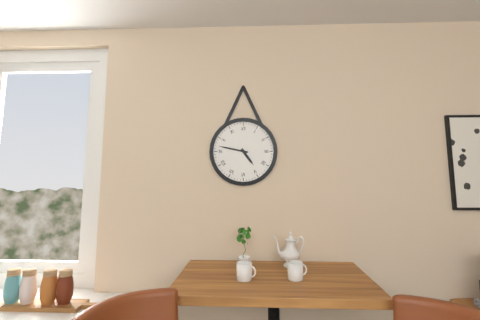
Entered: {"hour": 4, "minute": 47}
